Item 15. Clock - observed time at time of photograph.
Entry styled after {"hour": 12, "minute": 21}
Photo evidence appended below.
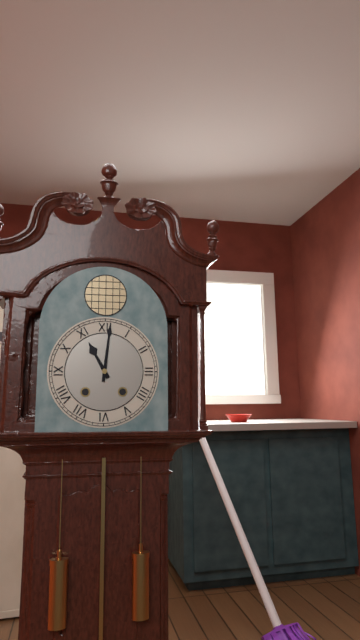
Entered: {"hour": 11, "minute": 1}
